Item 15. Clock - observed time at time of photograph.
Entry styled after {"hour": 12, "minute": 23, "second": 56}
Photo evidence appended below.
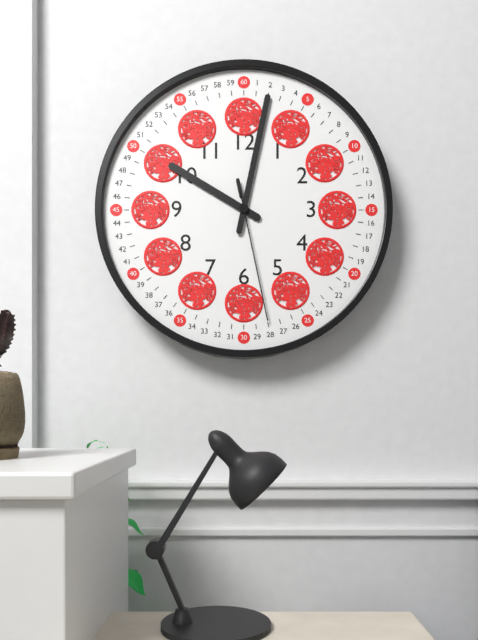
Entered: {"hour": 10, "minute": 2, "second": 28}
